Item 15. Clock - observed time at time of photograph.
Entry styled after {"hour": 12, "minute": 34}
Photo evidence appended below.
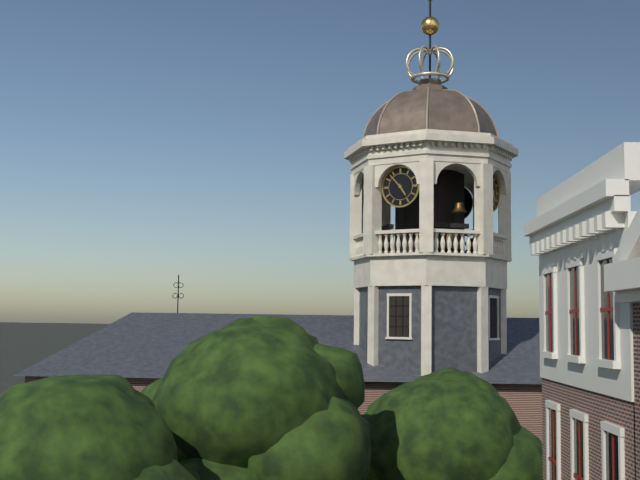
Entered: {"hour": 4, "minute": 53}
